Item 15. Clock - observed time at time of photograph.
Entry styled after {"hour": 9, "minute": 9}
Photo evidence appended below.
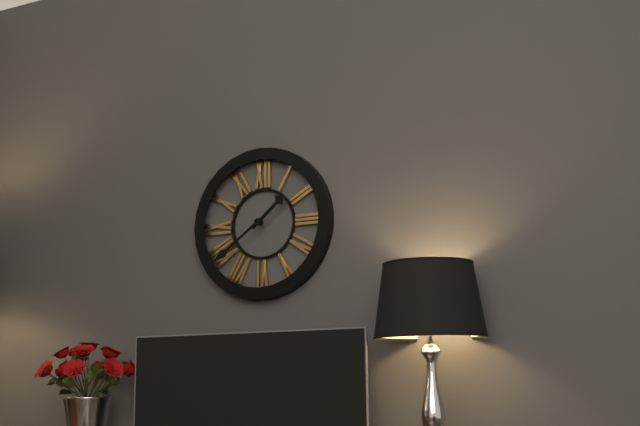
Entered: {"hour": 1, "minute": 39}
